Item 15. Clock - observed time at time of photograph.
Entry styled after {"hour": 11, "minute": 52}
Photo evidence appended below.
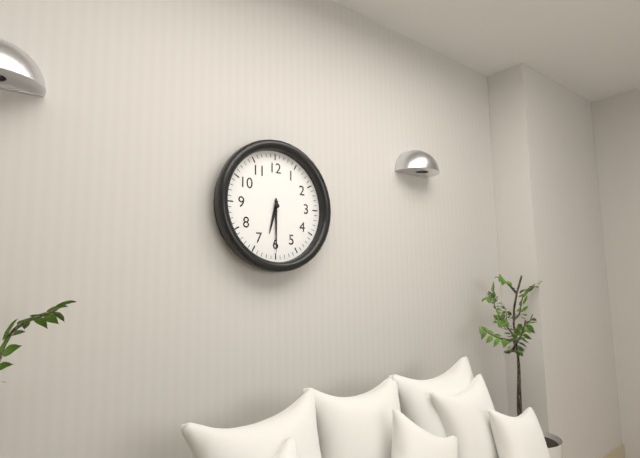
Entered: {"hour": 6, "minute": 30}
